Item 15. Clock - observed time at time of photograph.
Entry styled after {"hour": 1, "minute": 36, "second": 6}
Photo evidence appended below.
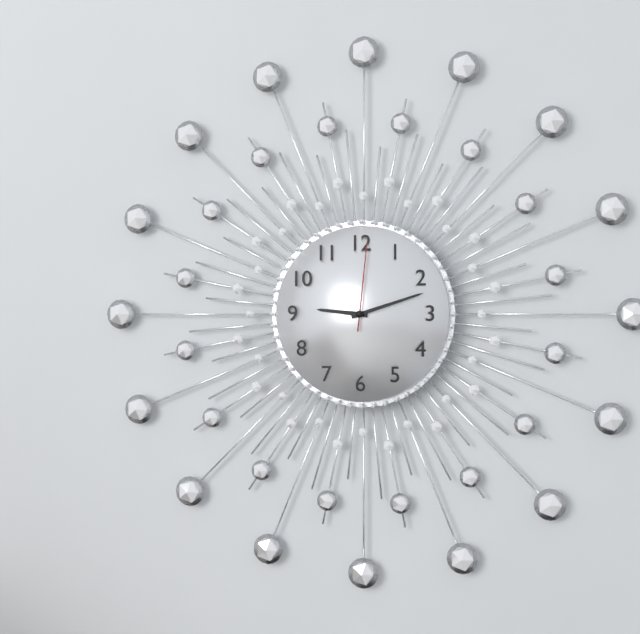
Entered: {"hour": 9, "minute": 12, "second": 1}
